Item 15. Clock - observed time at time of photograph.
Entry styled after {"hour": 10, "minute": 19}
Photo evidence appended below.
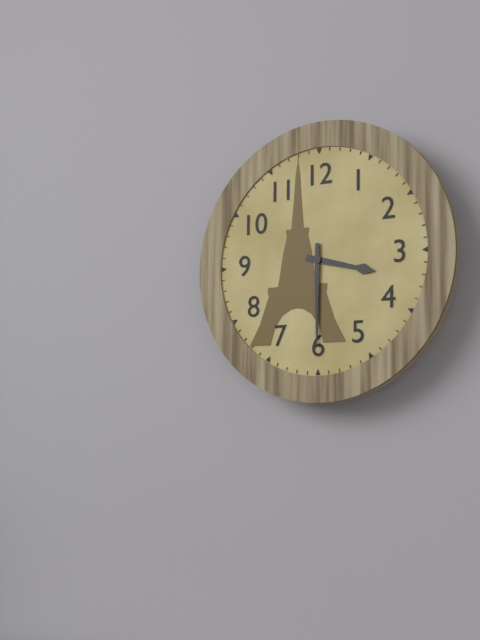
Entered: {"hour": 3, "minute": 30}
